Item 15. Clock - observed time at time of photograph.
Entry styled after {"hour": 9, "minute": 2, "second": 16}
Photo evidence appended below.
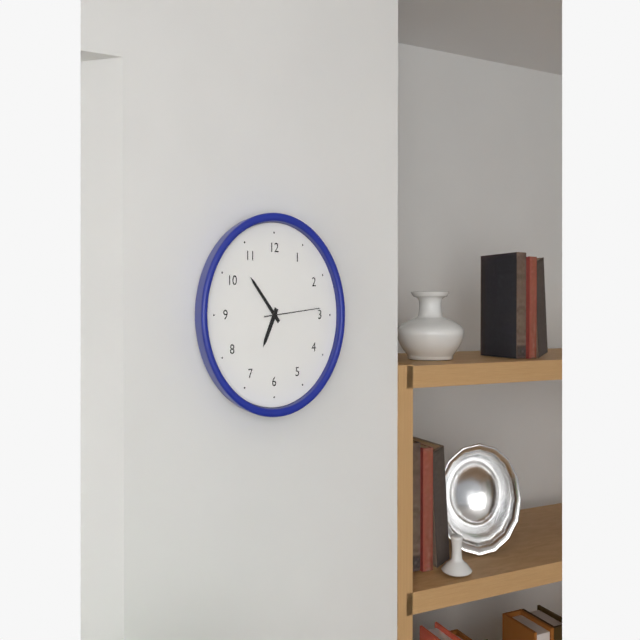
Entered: {"hour": 6, "minute": 53, "second": 14}
